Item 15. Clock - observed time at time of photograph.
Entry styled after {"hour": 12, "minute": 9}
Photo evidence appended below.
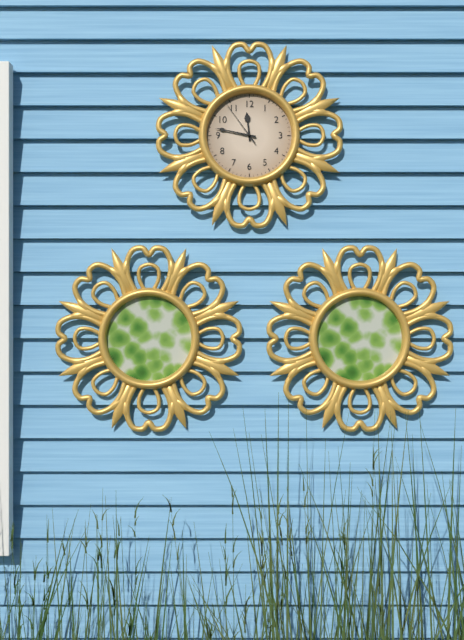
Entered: {"hour": 11, "minute": 47}
